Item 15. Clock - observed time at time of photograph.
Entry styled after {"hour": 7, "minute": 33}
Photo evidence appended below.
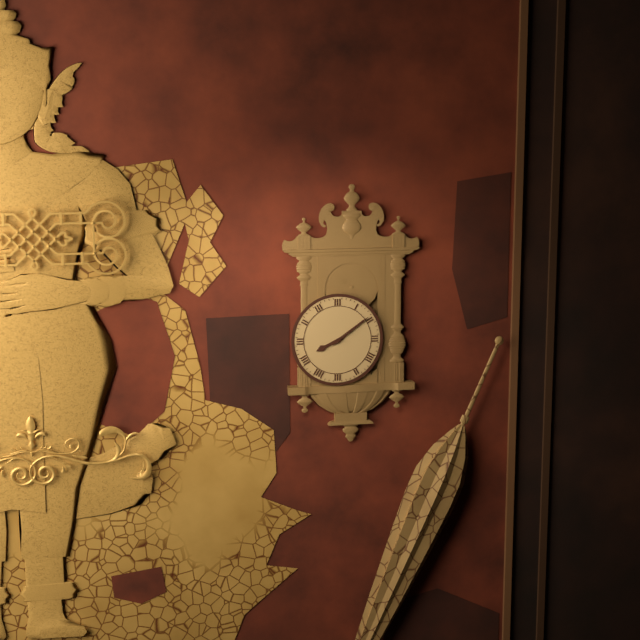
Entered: {"hour": 8, "minute": 9}
